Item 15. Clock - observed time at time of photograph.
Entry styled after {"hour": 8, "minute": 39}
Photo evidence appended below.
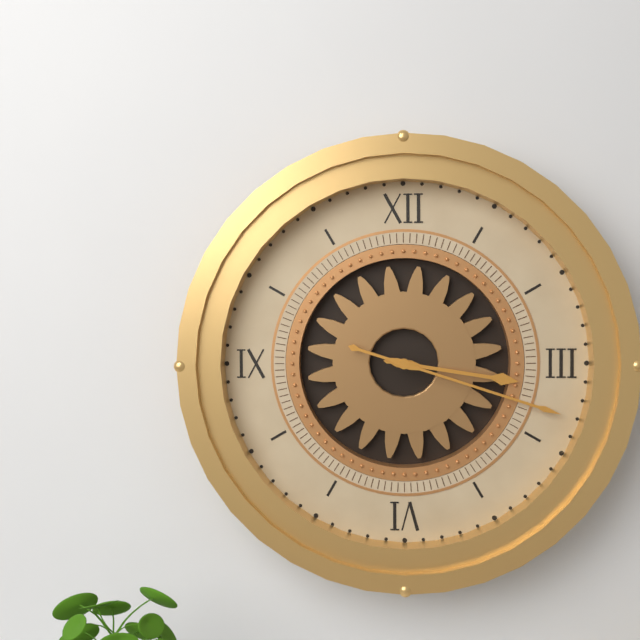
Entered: {"hour": 3, "minute": 18}
